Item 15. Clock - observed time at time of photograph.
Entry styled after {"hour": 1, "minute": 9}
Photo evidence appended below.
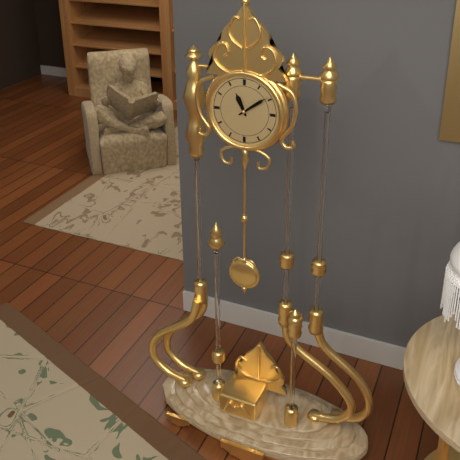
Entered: {"hour": 11, "minute": 9}
